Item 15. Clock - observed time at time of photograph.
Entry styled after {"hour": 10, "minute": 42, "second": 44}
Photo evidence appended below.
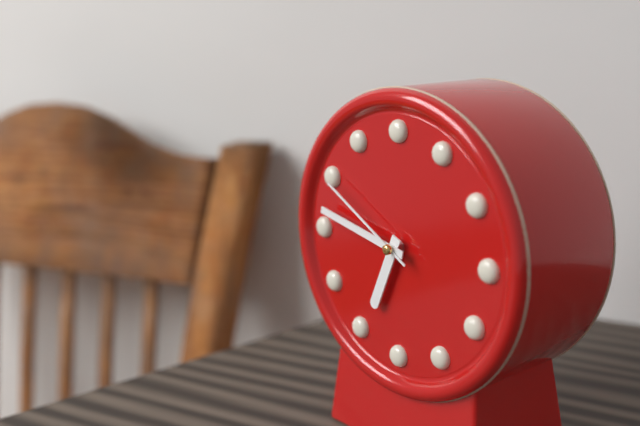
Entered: {"hour": 6, "minute": 47, "second": 50}
